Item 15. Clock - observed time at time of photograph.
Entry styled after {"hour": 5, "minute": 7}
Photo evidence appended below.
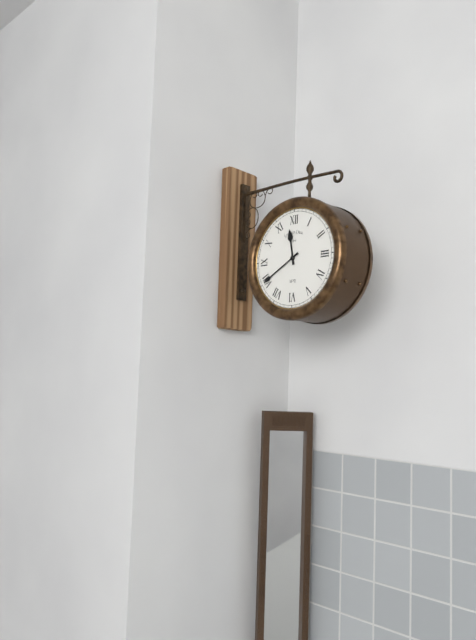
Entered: {"hour": 11, "minute": 40}
